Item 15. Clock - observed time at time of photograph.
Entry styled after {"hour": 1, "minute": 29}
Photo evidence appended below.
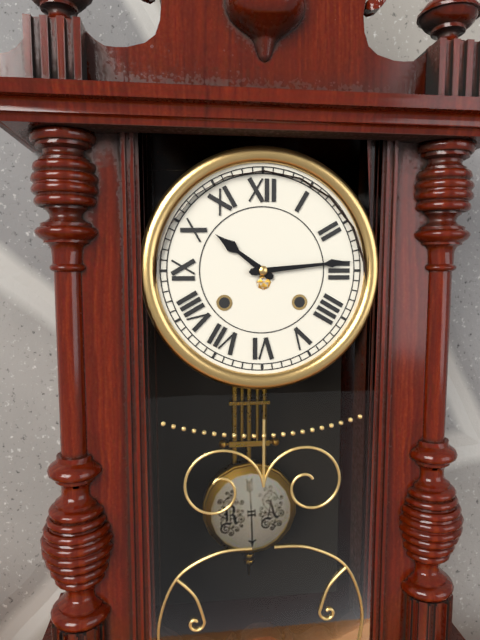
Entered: {"hour": 10, "minute": 14}
